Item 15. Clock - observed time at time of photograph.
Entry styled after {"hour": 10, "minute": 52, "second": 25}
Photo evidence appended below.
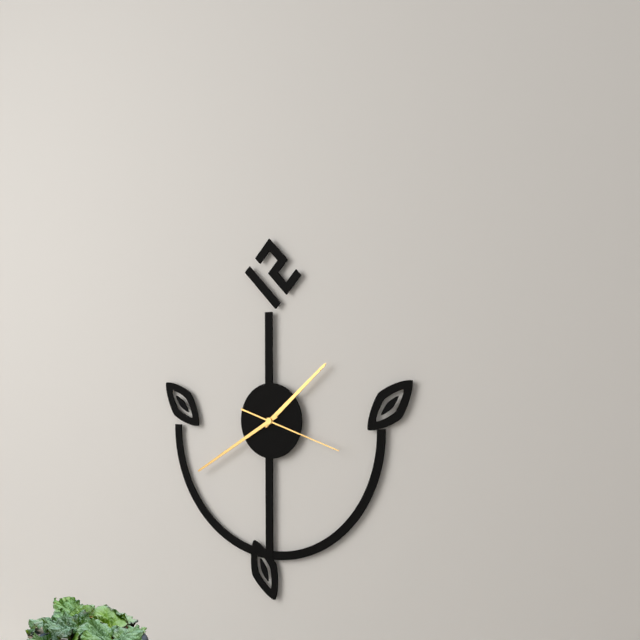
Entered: {"hour": 1, "minute": 40, "second": 18}
